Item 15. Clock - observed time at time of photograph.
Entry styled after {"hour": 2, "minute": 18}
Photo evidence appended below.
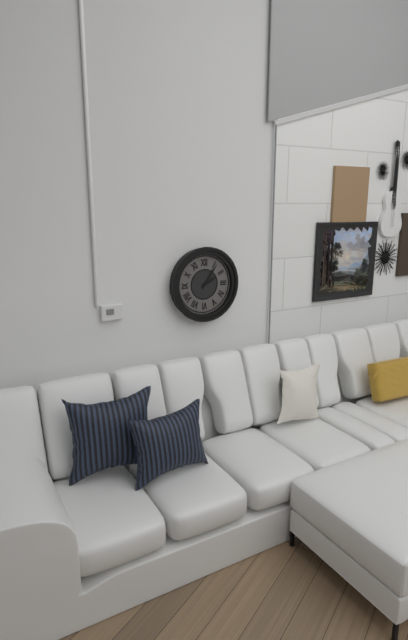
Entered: {"hour": 2, "minute": 6}
